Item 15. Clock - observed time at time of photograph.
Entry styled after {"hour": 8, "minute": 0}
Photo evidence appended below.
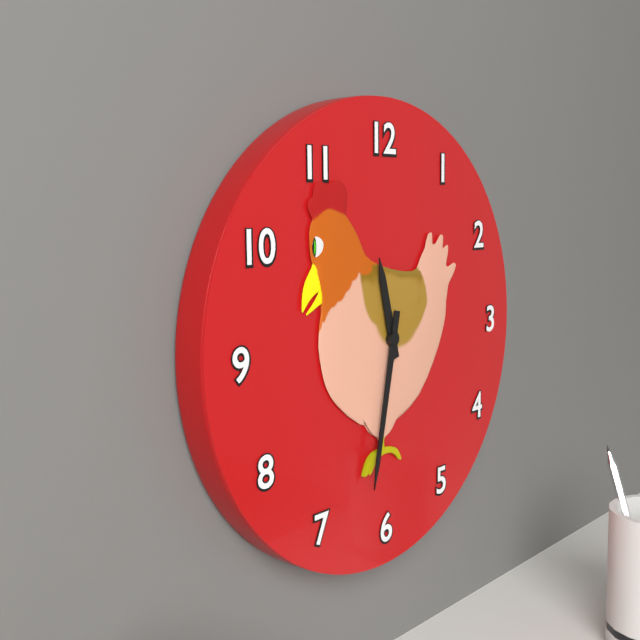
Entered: {"hour": 11, "minute": 32}
